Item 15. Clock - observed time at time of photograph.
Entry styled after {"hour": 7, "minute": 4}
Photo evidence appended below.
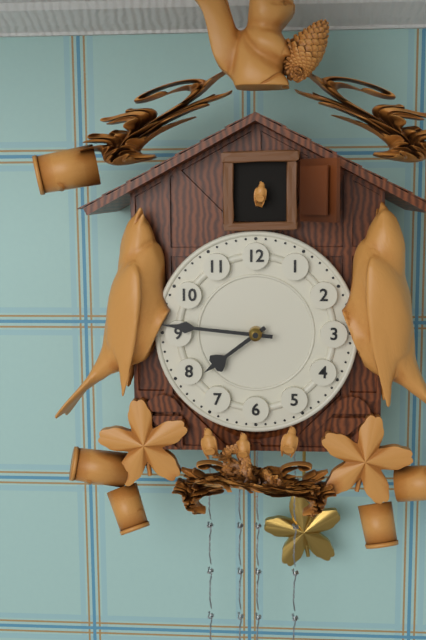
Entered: {"hour": 7, "minute": 46}
